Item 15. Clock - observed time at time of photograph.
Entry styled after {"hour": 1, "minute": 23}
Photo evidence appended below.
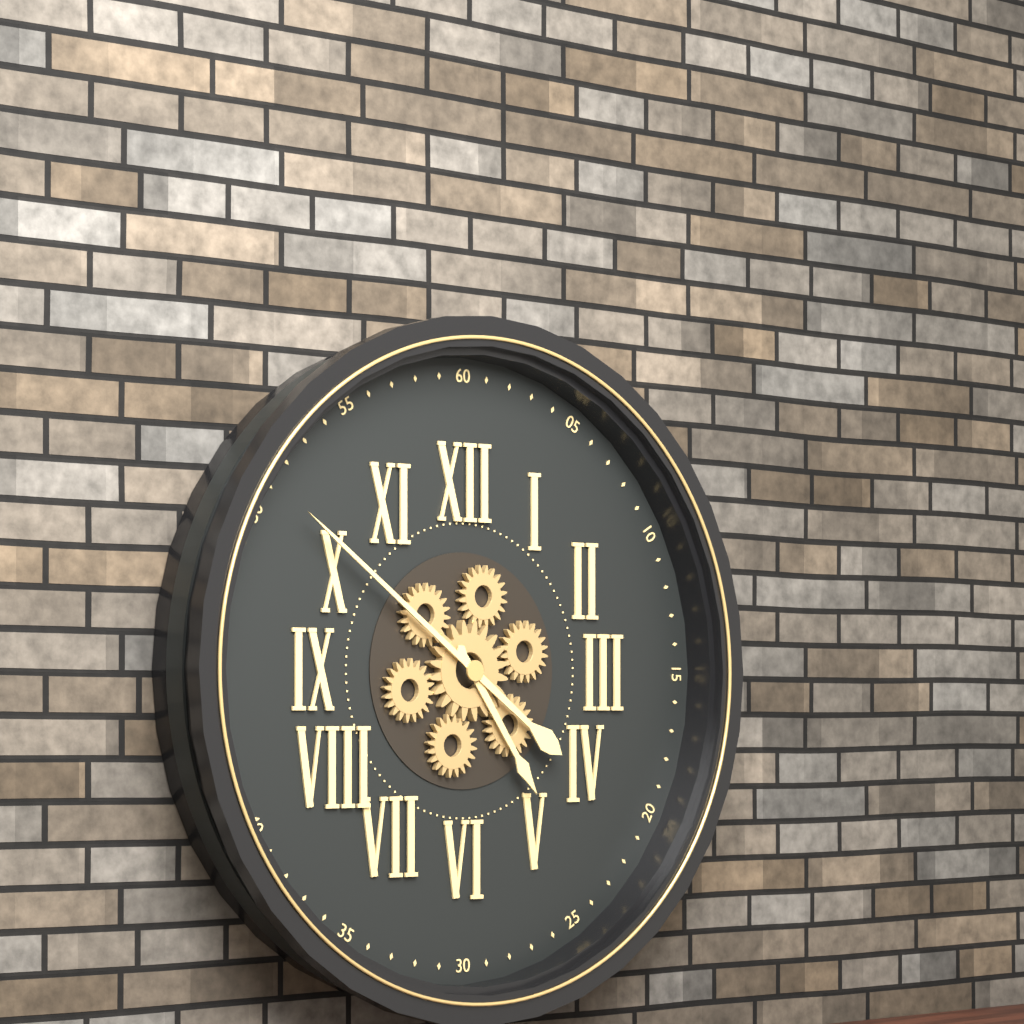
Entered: {"hour": 4, "minute": 51}
